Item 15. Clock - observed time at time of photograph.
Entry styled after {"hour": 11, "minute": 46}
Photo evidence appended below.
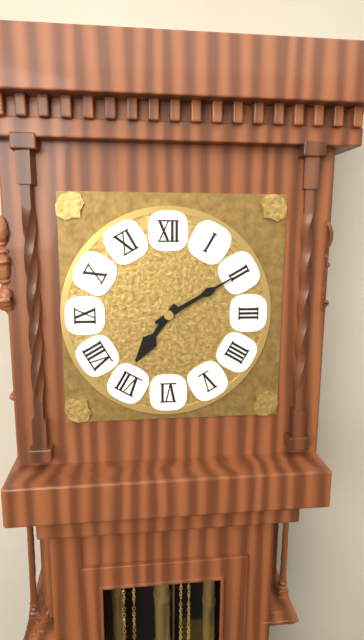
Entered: {"hour": 7, "minute": 10}
